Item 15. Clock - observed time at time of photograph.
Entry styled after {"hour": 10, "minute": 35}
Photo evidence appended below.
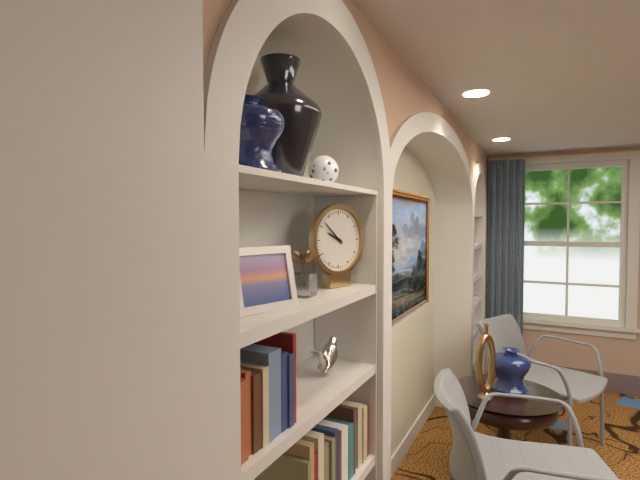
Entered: {"hour": 9, "minute": 52}
